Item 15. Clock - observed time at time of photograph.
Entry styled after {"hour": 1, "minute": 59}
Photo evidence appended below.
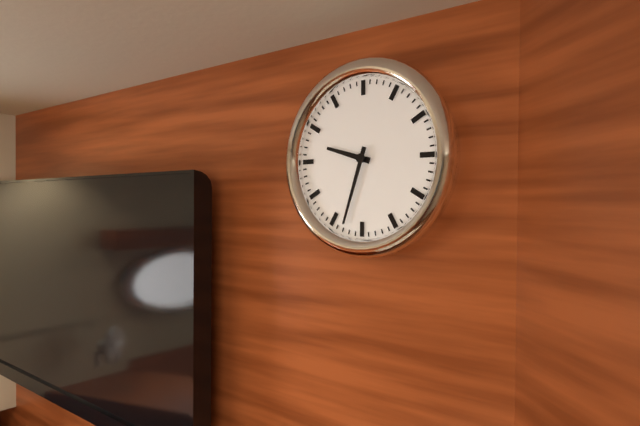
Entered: {"hour": 9, "minute": 33}
